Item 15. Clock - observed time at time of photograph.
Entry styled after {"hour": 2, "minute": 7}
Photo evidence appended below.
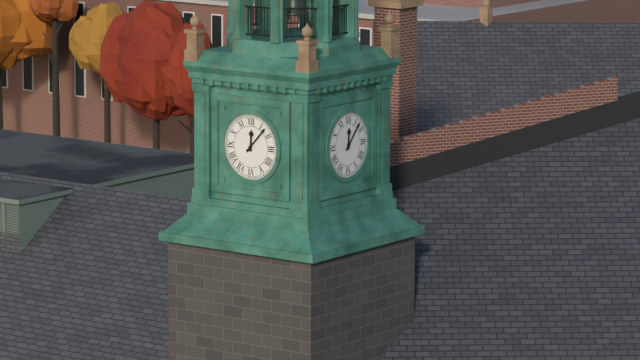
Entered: {"hour": 12, "minute": 7}
